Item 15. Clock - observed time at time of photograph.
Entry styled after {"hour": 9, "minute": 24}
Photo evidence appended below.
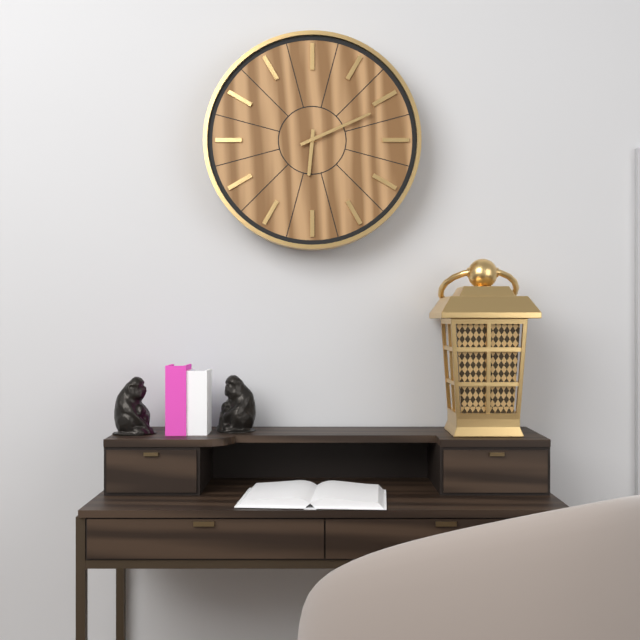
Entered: {"hour": 6, "minute": 11}
